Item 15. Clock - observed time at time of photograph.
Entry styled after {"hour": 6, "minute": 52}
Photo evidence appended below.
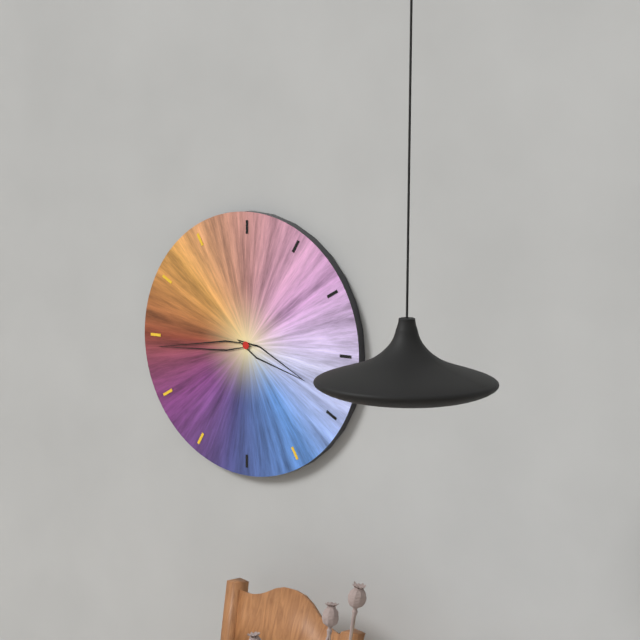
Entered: {"hour": 3, "minute": 44}
